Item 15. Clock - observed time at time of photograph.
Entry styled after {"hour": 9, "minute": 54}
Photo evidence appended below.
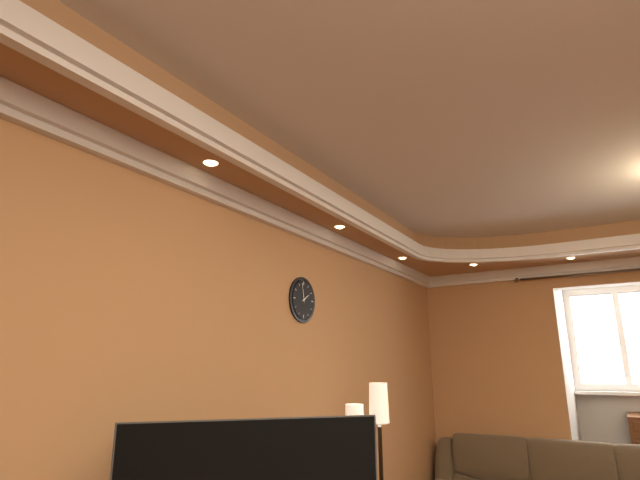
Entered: {"hour": 1, "minute": 58}
